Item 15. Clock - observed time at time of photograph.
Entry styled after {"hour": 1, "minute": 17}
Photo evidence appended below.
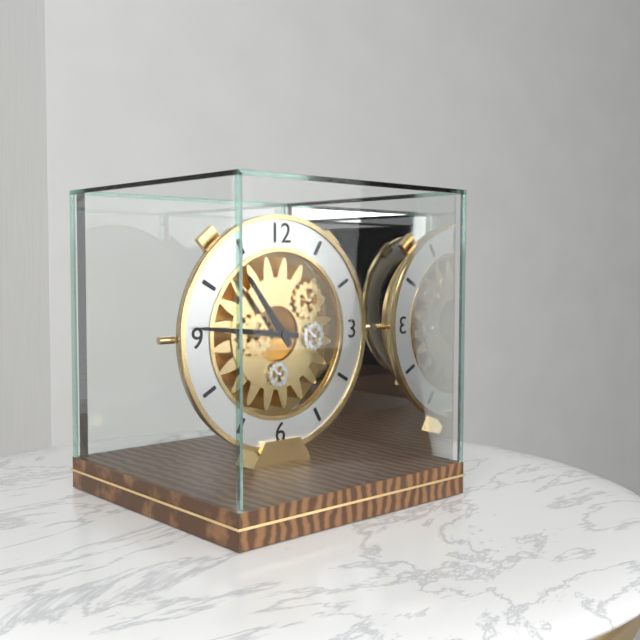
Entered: {"hour": 10, "minute": 46}
